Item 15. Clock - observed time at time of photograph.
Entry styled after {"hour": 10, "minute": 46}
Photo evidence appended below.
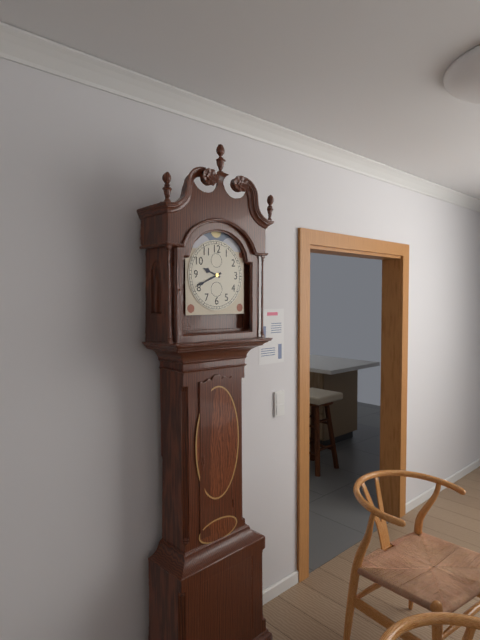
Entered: {"hour": 9, "minute": 41}
